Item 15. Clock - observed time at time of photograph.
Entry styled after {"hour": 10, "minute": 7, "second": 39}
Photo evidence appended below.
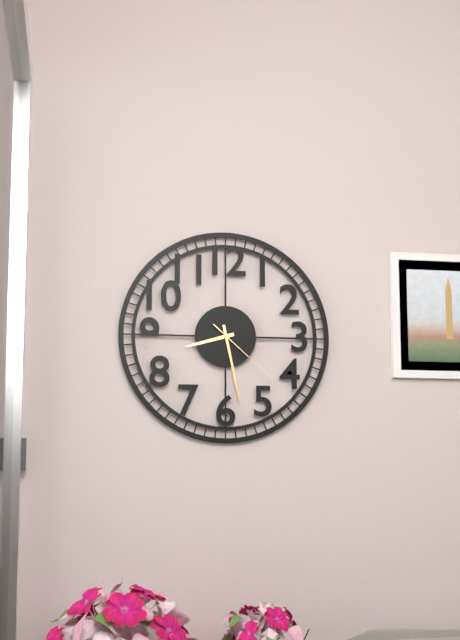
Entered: {"hour": 8, "minute": 28, "second": 22}
